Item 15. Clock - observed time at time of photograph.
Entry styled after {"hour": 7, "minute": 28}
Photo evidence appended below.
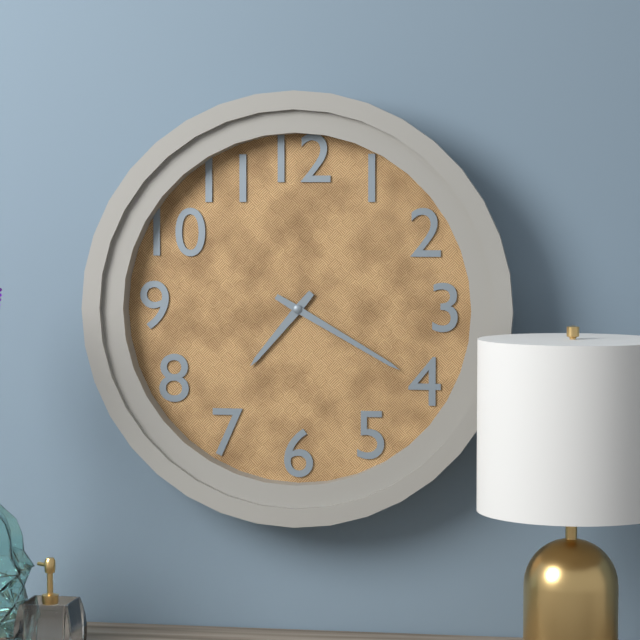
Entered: {"hour": 7, "minute": 20}
